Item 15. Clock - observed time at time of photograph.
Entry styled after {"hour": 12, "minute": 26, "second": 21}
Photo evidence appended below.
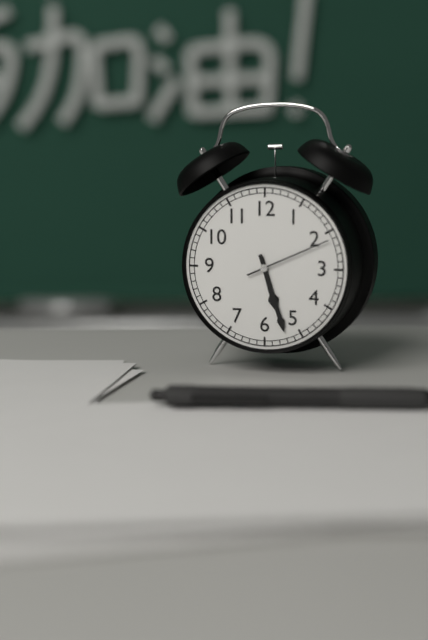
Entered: {"hour": 5, "minute": 27, "second": 11}
